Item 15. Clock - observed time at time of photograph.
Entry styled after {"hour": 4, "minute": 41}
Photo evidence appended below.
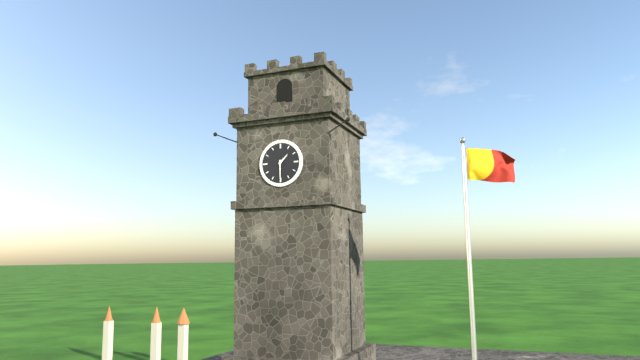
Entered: {"hour": 1, "minute": 30}
